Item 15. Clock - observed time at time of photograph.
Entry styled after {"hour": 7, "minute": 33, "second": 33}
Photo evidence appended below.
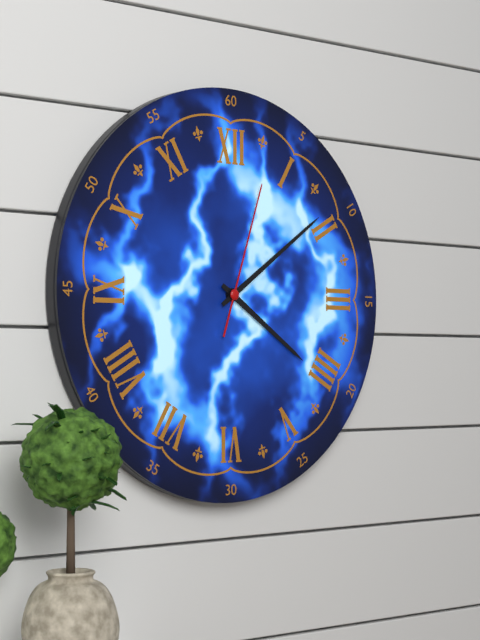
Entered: {"hour": 4, "minute": 9, "second": 3}
